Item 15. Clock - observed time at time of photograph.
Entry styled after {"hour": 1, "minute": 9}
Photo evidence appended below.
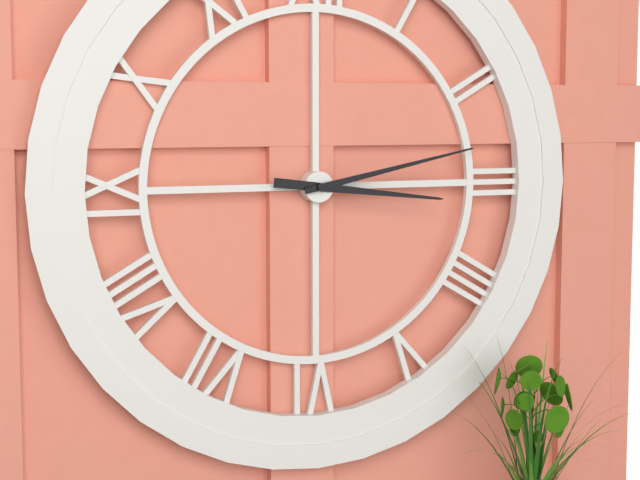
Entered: {"hour": 3, "minute": 13}
